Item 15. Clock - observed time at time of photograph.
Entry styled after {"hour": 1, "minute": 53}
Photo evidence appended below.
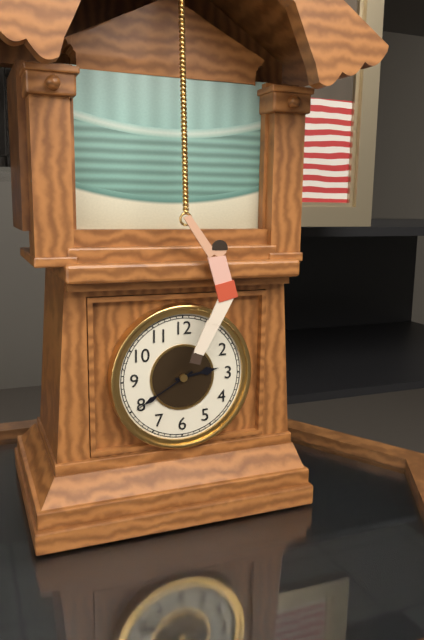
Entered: {"hour": 2, "minute": 40}
